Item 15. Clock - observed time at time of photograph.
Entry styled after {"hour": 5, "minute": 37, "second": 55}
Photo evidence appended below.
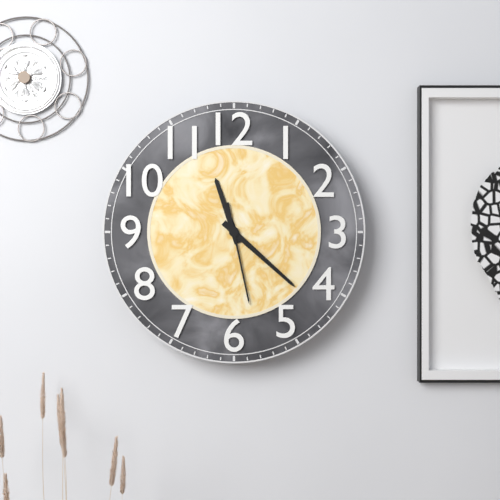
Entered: {"hour": 11, "minute": 22, "second": 28}
